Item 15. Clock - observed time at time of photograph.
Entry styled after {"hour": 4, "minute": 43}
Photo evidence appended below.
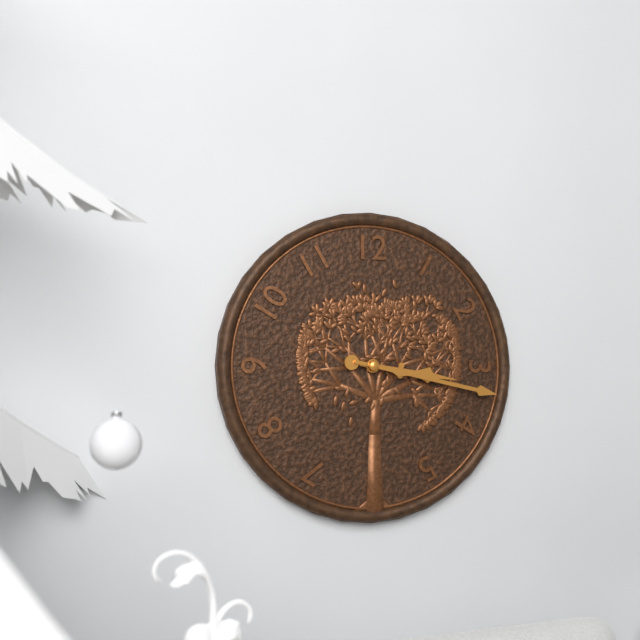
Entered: {"hour": 3, "minute": 17}
